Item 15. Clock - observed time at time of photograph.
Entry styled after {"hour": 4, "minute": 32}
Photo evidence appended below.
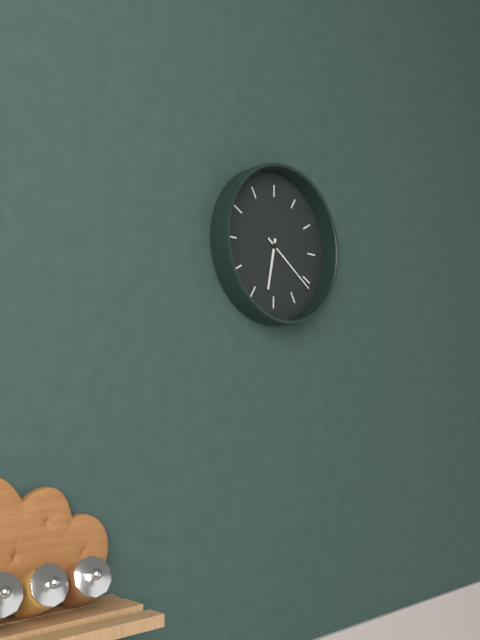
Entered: {"hour": 6, "minute": 21}
